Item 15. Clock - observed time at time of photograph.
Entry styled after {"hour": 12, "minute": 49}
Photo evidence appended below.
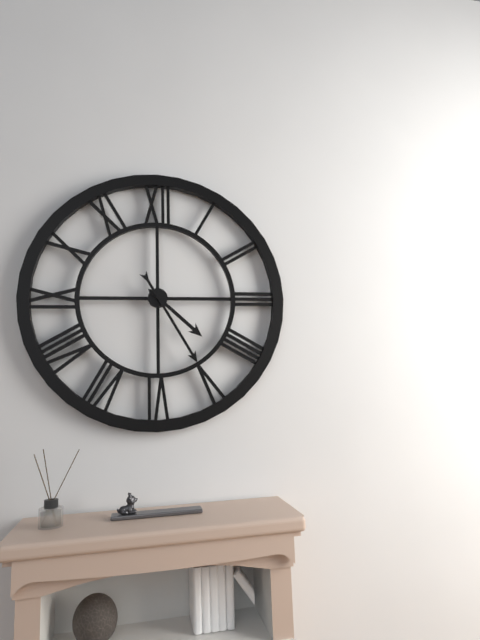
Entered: {"hour": 4, "minute": 25}
